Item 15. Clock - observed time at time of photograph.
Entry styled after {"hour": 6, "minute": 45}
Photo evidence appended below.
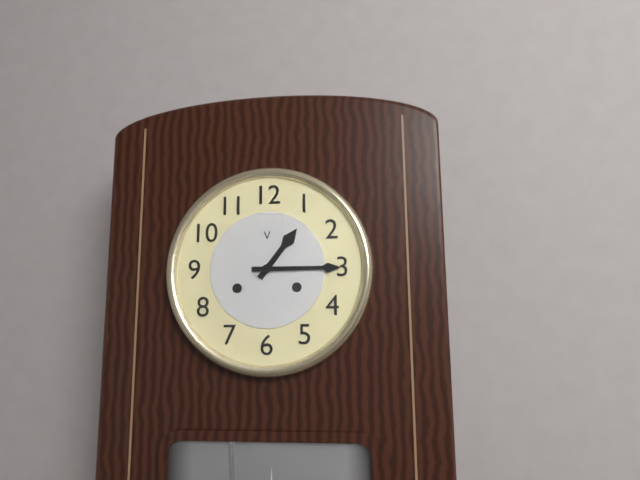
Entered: {"hour": 1, "minute": 15}
